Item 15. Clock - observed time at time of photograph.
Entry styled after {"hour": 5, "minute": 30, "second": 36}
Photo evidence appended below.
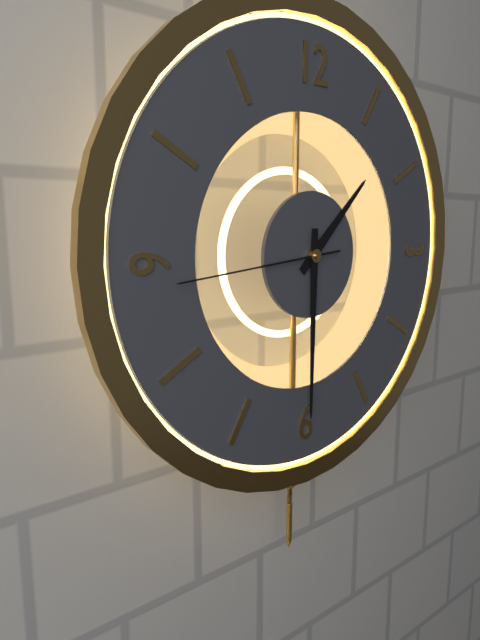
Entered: {"hour": 1, "minute": 30, "second": 44}
